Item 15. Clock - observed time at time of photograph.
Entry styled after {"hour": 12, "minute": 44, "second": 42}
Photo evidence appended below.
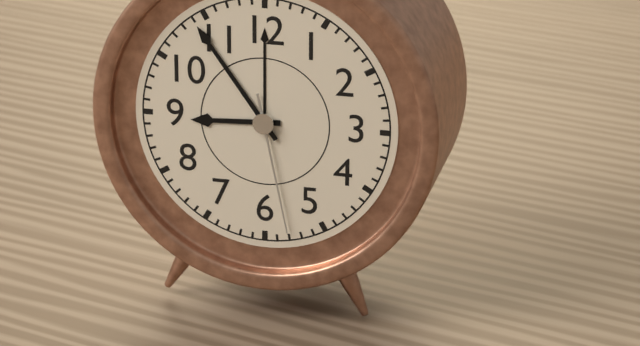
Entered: {"hour": 8, "minute": 54, "second": 28}
